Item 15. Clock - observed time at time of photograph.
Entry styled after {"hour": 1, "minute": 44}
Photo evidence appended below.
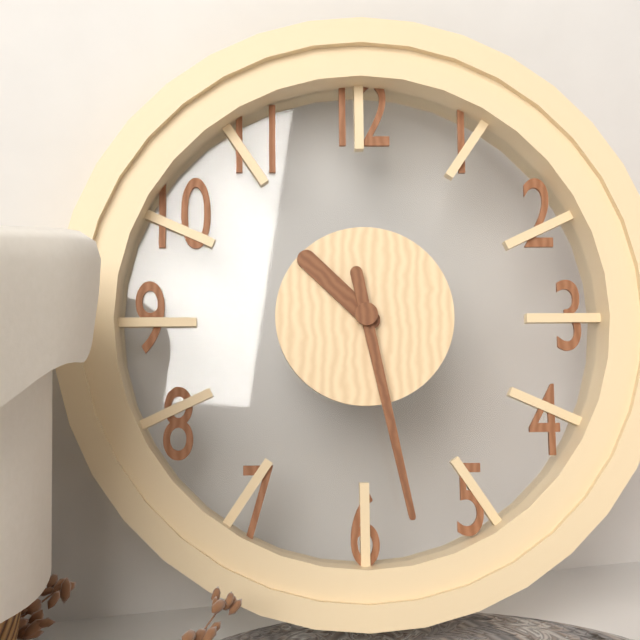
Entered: {"hour": 10, "minute": 28}
